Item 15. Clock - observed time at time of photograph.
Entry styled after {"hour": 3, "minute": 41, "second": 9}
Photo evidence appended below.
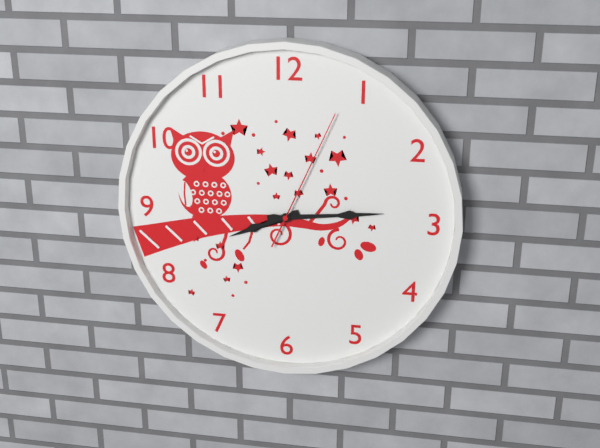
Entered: {"hour": 8, "minute": 14, "second": 4}
